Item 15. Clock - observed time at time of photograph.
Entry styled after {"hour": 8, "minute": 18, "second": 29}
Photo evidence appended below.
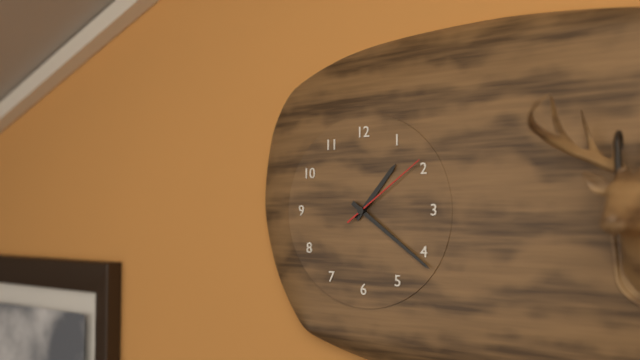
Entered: {"hour": 1, "minute": 21, "second": 9}
